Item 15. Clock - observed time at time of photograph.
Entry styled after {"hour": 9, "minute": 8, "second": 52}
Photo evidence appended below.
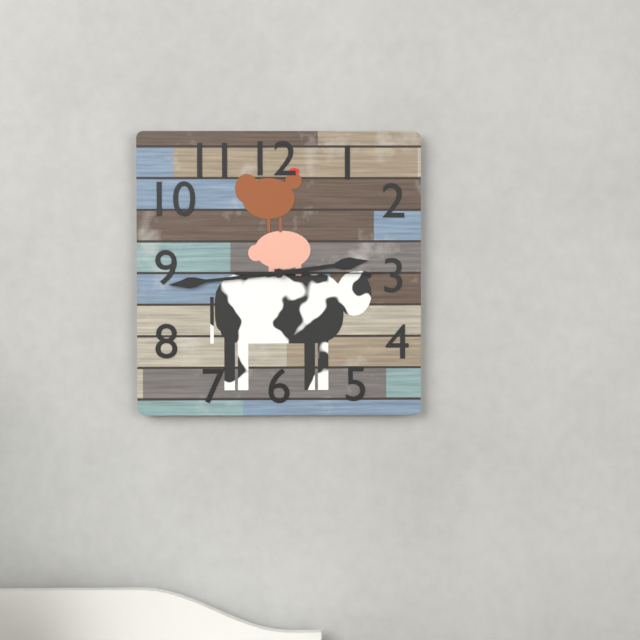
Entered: {"hour": 2, "minute": 44, "second": 15}
